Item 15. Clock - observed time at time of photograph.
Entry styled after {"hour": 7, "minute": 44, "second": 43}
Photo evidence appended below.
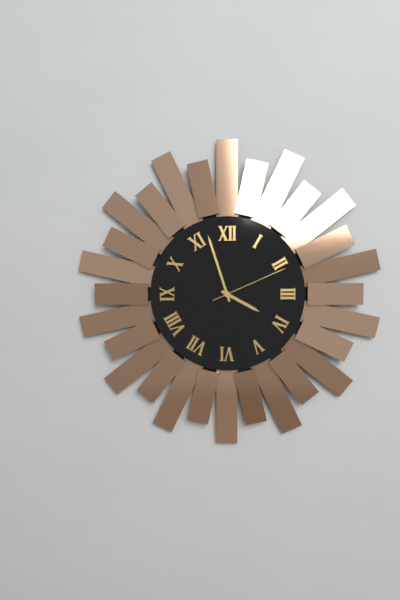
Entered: {"hour": 3, "minute": 57, "second": 11}
